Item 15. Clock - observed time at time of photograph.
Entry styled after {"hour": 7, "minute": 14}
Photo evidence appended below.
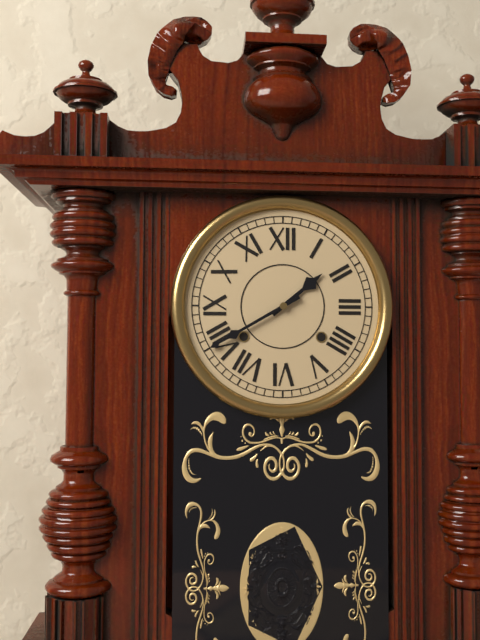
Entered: {"hour": 1, "minute": 40}
